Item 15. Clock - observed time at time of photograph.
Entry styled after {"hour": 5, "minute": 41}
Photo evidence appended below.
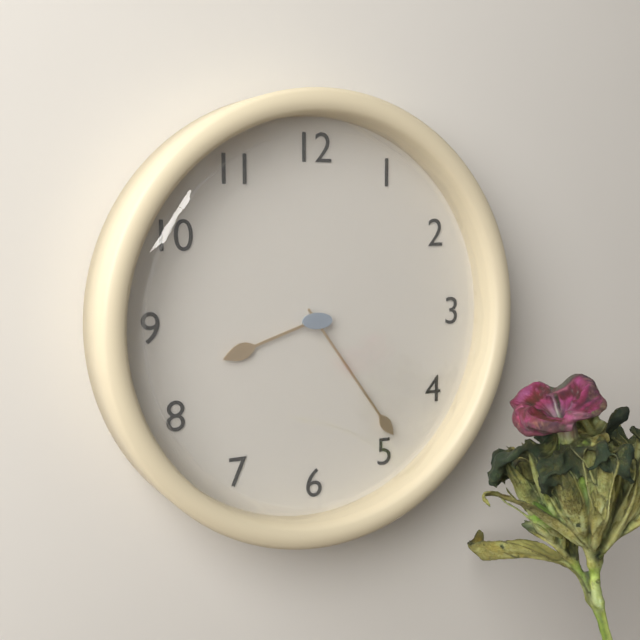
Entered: {"hour": 8, "minute": 24}
